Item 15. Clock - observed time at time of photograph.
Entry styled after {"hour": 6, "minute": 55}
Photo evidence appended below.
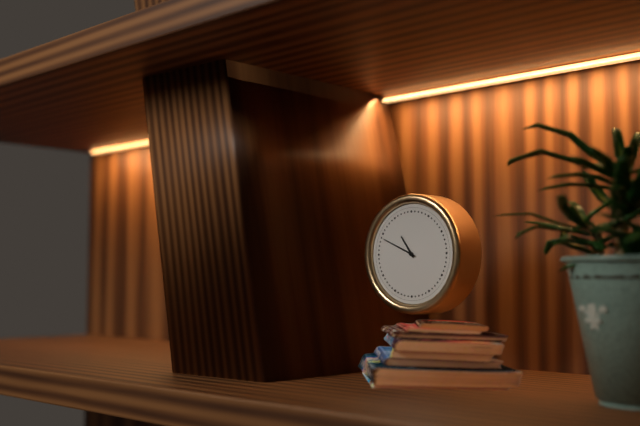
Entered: {"hour": 10, "minute": 49}
